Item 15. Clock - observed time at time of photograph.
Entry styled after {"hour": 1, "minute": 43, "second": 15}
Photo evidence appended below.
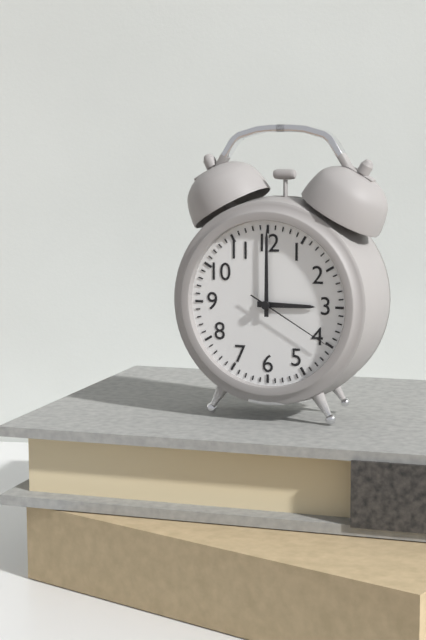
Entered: {"hour": 3, "minute": 0, "second": 20}
